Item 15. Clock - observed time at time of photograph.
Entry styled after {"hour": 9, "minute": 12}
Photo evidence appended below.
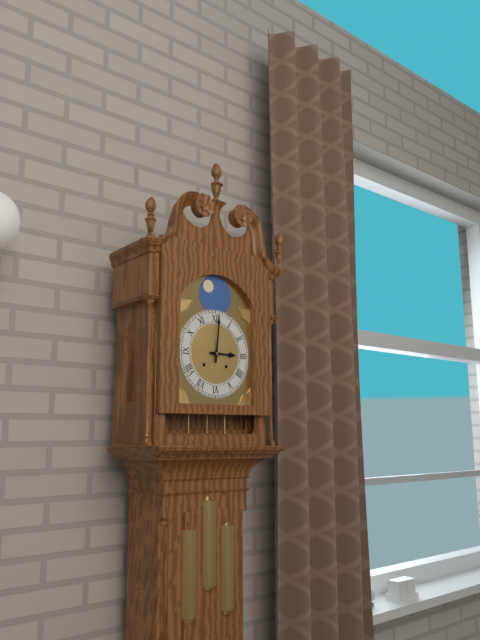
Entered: {"hour": 3, "minute": 1}
